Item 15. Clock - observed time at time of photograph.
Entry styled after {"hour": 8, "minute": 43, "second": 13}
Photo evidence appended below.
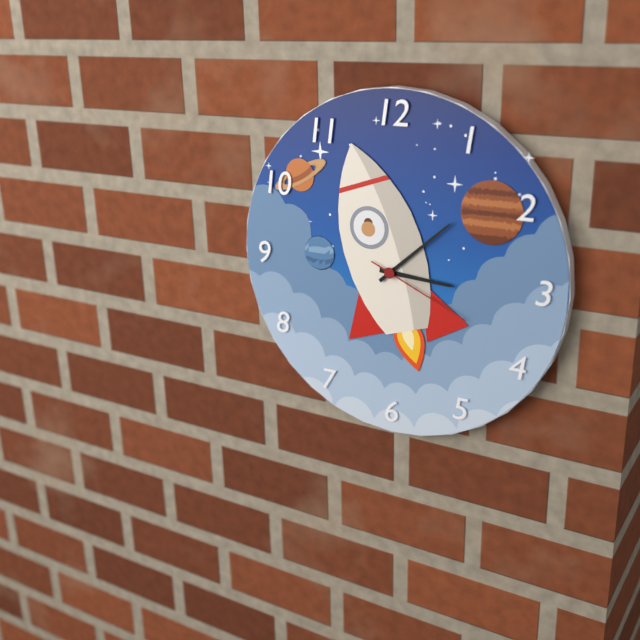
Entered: {"hour": 3, "minute": 8, "second": 19}
